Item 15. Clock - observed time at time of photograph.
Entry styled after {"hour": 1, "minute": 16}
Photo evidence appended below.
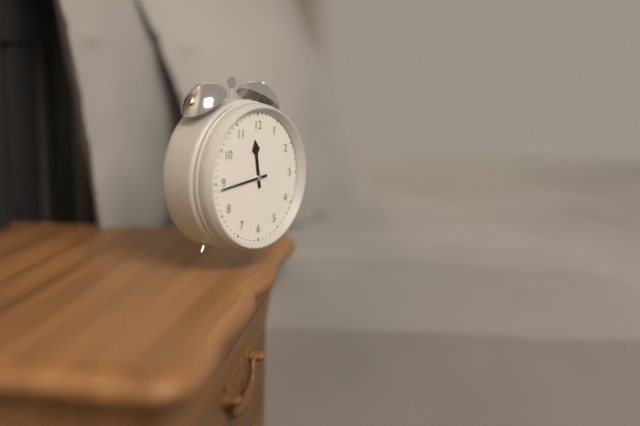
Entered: {"hour": 11, "minute": 44}
